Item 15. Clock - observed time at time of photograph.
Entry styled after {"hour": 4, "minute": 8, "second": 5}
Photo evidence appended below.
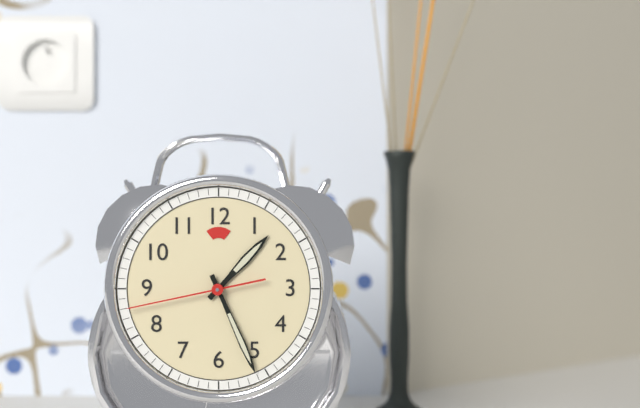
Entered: {"hour": 1, "minute": 26, "second": 43}
